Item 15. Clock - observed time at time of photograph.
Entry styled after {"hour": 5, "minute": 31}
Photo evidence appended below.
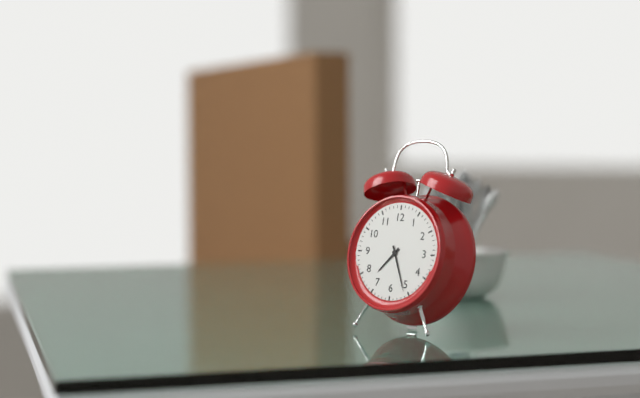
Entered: {"hour": 7, "minute": 26}
